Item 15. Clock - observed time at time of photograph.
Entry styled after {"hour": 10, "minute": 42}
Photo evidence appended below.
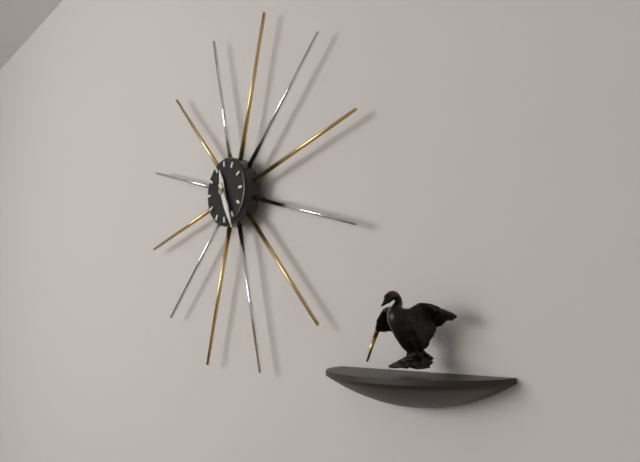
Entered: {"hour": 11, "minute": 26}
